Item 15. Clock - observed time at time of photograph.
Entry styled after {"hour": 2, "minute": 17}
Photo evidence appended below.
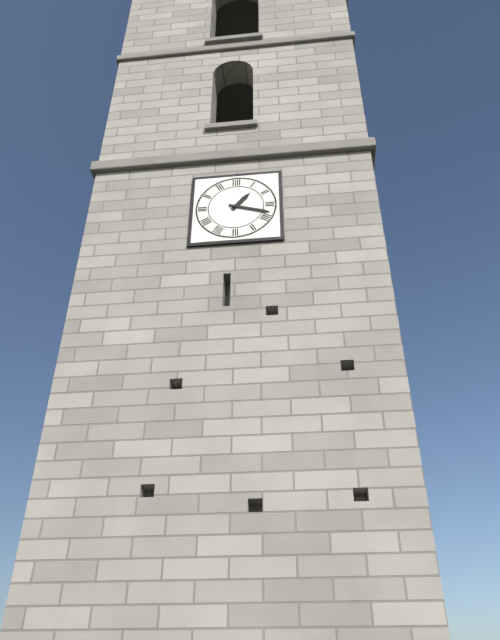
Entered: {"hour": 1, "minute": 18}
